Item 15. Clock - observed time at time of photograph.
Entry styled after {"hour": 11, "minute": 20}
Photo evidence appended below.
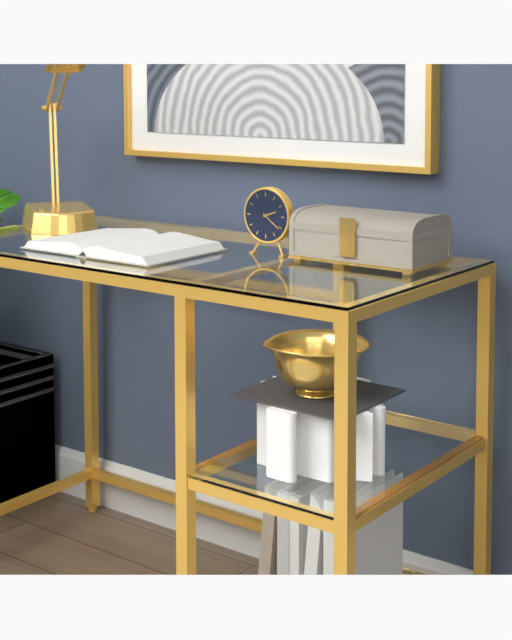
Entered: {"hour": 2, "minute": 21}
